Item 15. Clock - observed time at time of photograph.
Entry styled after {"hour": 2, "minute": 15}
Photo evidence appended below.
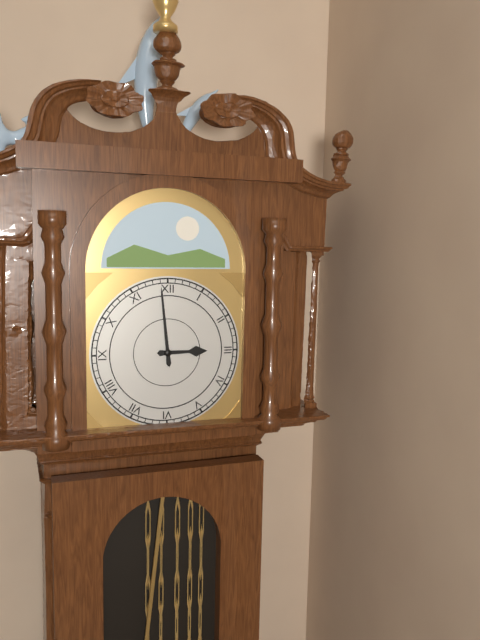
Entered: {"hour": 2, "minute": 59}
